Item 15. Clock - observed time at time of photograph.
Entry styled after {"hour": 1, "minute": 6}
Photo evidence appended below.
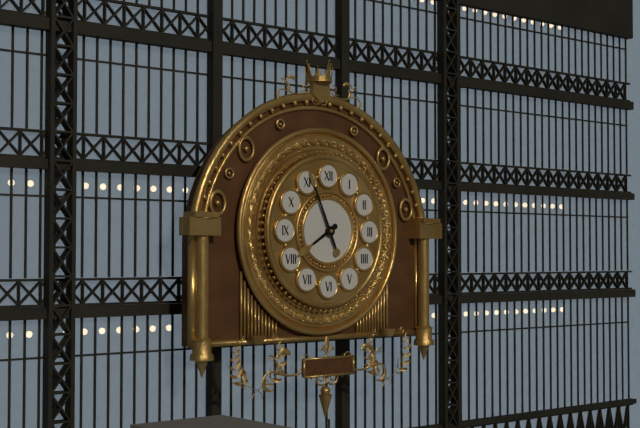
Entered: {"hour": 7, "minute": 56}
